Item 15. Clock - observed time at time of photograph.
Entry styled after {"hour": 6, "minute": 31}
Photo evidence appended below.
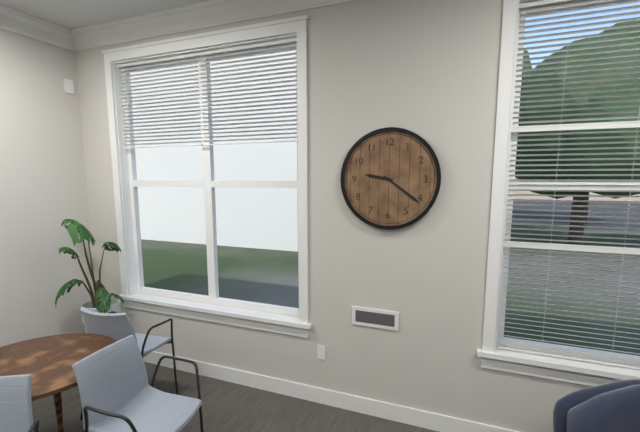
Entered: {"hour": 9, "minute": 21}
